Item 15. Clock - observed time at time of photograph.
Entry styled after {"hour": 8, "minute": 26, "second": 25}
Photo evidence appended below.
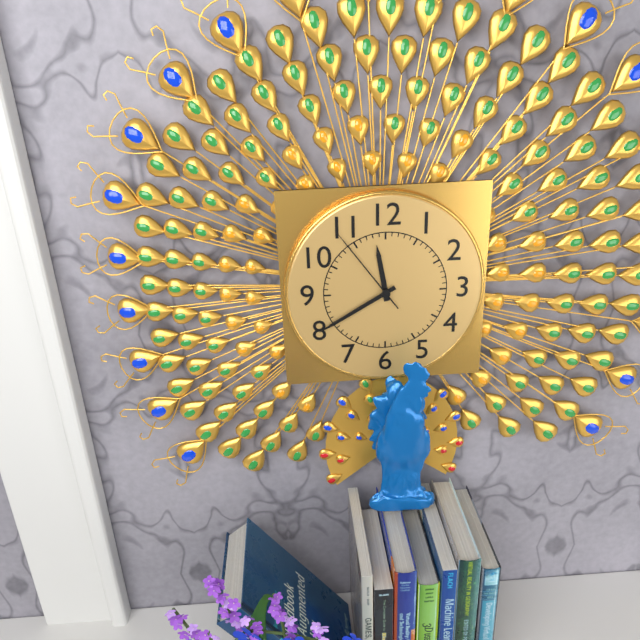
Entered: {"hour": 11, "minute": 40, "second": 54}
